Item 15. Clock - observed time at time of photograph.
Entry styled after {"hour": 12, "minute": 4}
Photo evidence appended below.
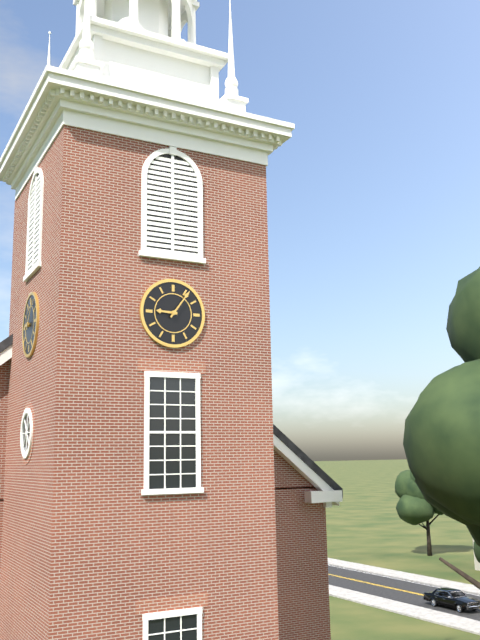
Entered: {"hour": 9, "minute": 6}
